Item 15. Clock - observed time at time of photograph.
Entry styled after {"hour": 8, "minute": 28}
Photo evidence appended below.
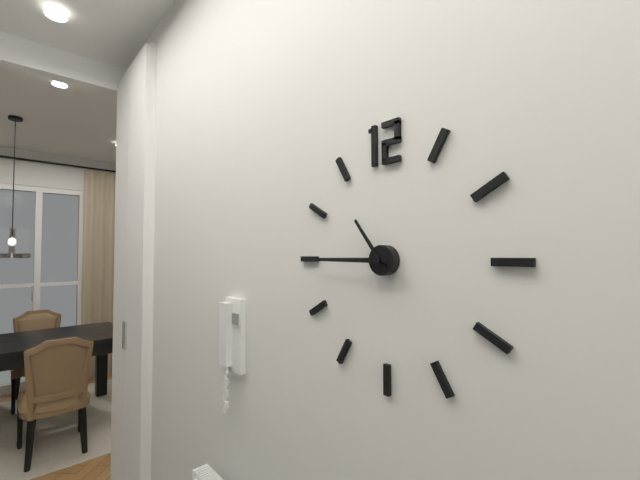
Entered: {"hour": 10, "minute": 45}
